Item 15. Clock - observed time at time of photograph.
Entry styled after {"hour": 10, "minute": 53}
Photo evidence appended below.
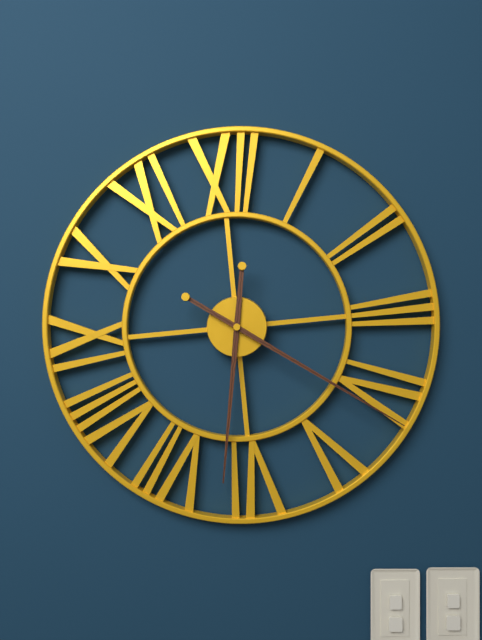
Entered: {"hour": 6, "minute": 21}
